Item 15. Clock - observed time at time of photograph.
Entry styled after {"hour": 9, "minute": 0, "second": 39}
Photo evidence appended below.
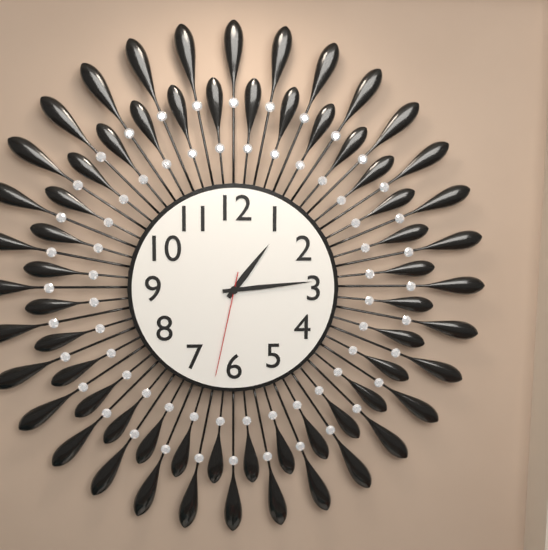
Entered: {"hour": 1, "minute": 14, "second": 32}
